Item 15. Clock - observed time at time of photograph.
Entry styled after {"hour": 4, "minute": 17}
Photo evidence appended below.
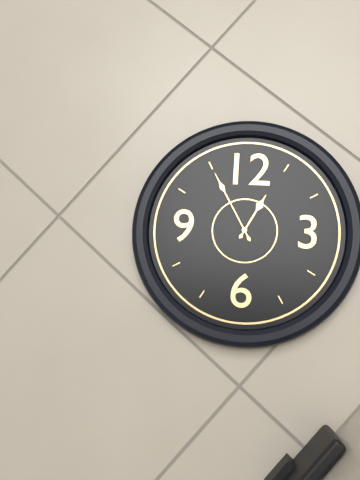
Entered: {"hour": 12, "minute": 55}
